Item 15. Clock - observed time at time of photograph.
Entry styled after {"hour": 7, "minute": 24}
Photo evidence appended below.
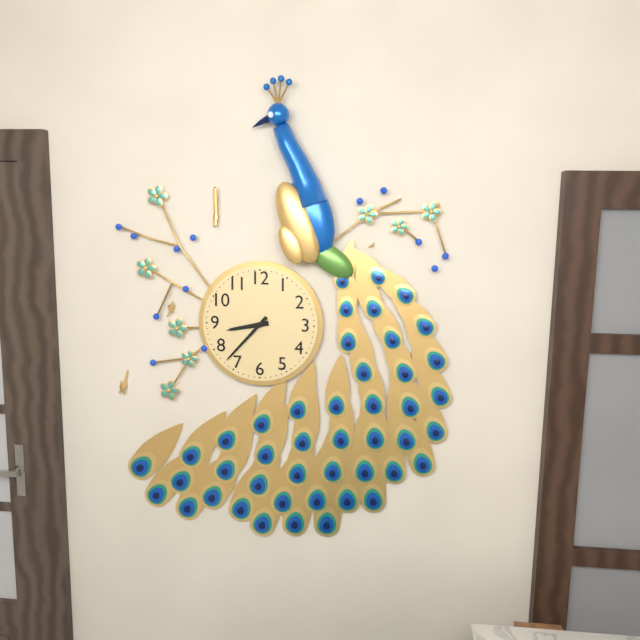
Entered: {"hour": 8, "minute": 37}
